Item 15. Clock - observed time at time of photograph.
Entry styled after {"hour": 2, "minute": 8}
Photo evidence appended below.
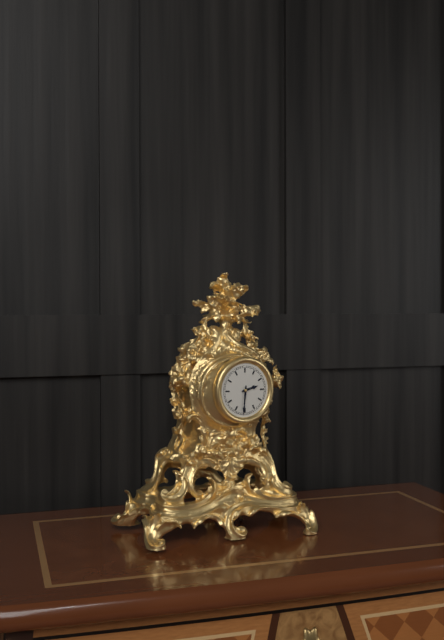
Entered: {"hour": 2, "minute": 31}
